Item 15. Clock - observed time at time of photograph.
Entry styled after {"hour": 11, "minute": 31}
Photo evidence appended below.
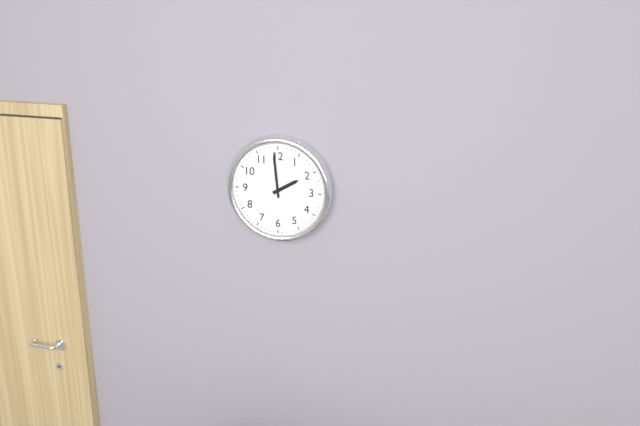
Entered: {"hour": 1, "minute": 59}
